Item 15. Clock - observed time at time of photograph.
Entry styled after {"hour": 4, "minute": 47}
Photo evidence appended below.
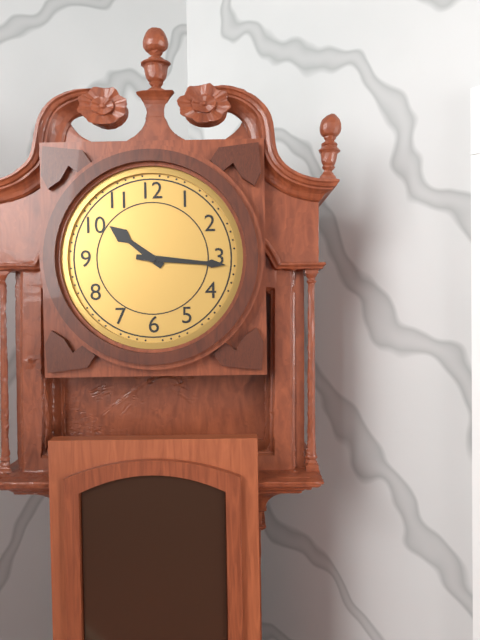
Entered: {"hour": 10, "minute": 16}
